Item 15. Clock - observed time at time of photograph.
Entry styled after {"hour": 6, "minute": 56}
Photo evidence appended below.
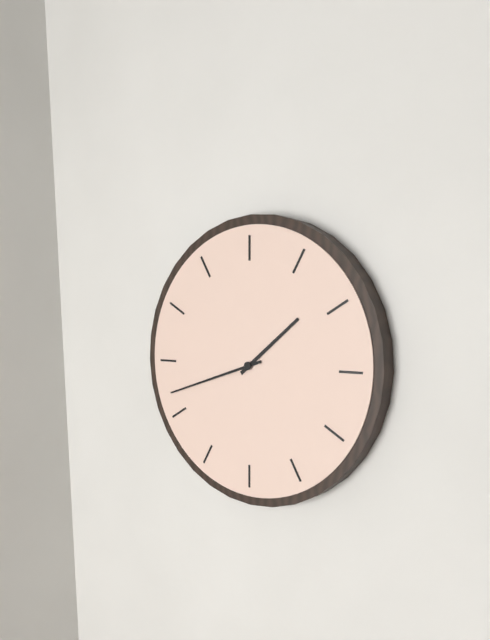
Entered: {"hour": 1, "minute": 42}
